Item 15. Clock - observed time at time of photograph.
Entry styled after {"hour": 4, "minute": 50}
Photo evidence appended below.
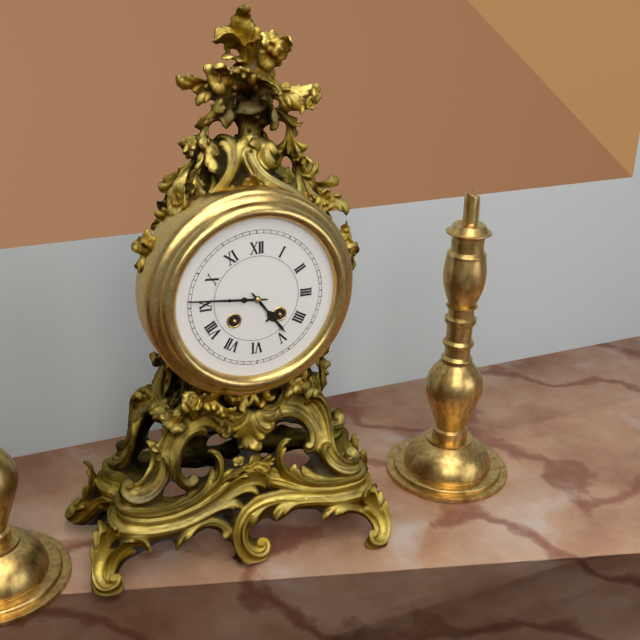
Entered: {"hour": 4, "minute": 46}
